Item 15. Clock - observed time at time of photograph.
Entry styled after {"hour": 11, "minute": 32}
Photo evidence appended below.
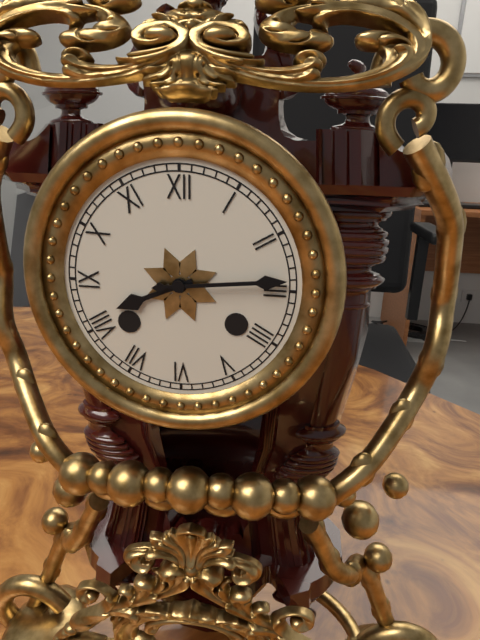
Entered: {"hour": 8, "minute": 14}
